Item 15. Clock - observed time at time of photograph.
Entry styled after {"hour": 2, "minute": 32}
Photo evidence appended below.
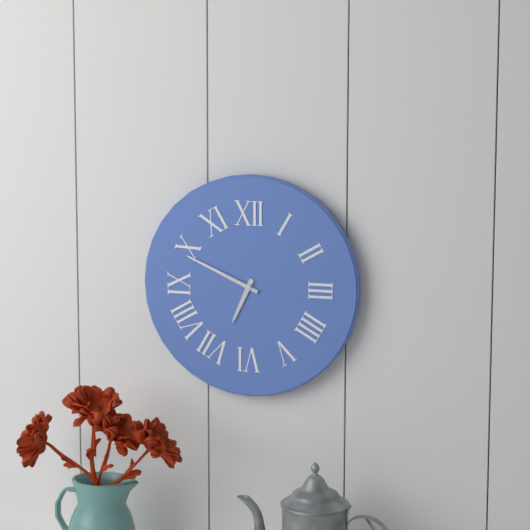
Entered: {"hour": 6, "minute": 49}
